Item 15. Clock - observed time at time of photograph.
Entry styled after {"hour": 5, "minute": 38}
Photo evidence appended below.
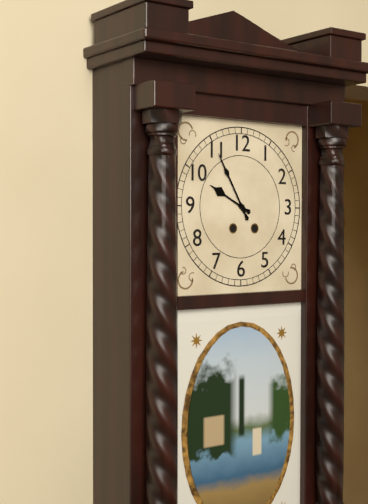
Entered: {"hour": 9, "minute": 55}
